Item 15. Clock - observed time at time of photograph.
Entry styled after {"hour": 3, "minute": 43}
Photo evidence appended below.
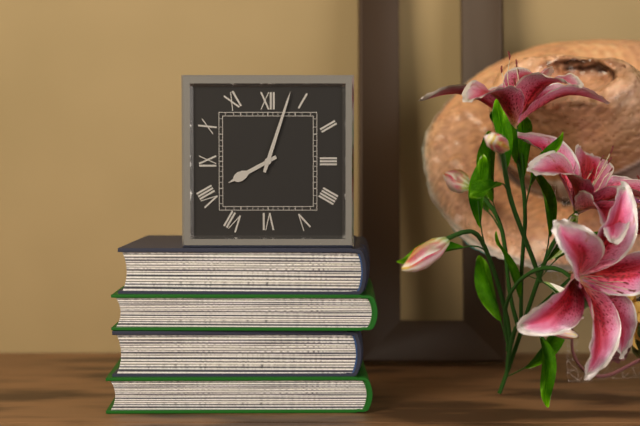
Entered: {"hour": 8, "minute": 3}
